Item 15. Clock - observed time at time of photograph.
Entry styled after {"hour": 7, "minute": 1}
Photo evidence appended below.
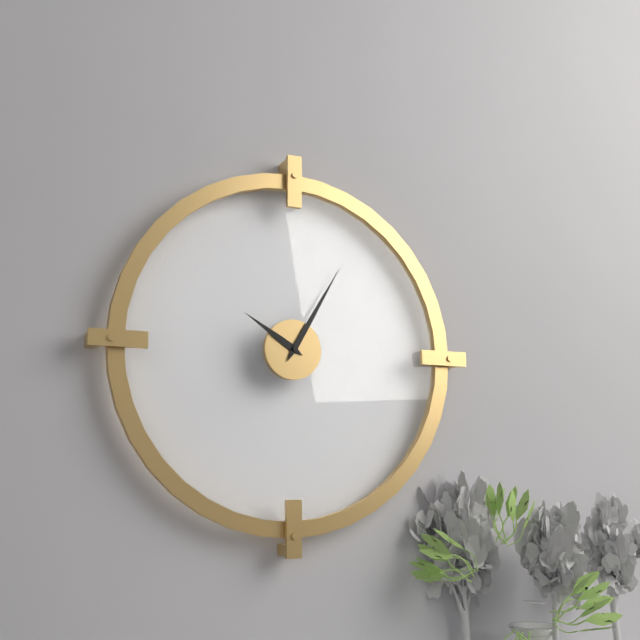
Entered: {"hour": 10, "minute": 5}
